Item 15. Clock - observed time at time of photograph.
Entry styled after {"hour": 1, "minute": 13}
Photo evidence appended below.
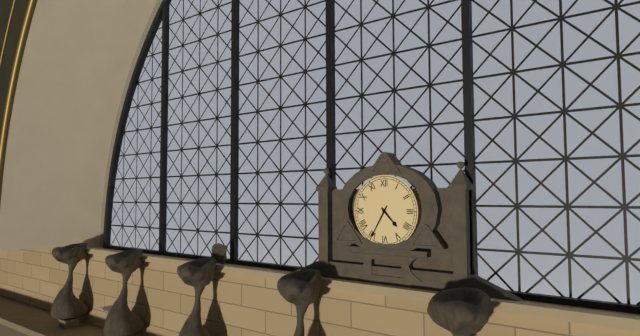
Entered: {"hour": 4, "minute": 35}
